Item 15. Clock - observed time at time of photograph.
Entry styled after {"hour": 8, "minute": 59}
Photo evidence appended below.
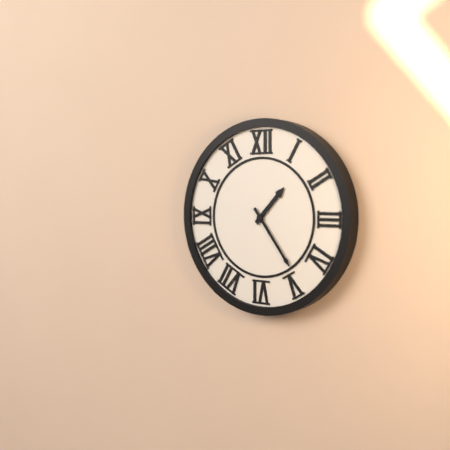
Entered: {"hour": 1, "minute": 24}
